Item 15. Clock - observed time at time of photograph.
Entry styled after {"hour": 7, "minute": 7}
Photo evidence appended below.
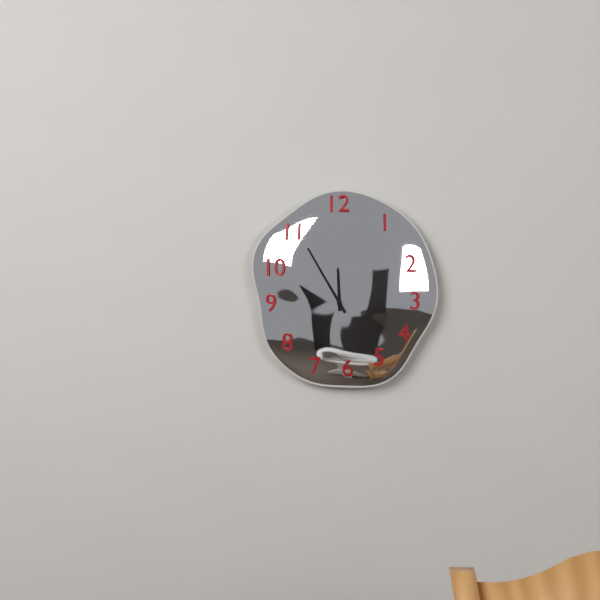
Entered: {"hour": 11, "minute": 55}
